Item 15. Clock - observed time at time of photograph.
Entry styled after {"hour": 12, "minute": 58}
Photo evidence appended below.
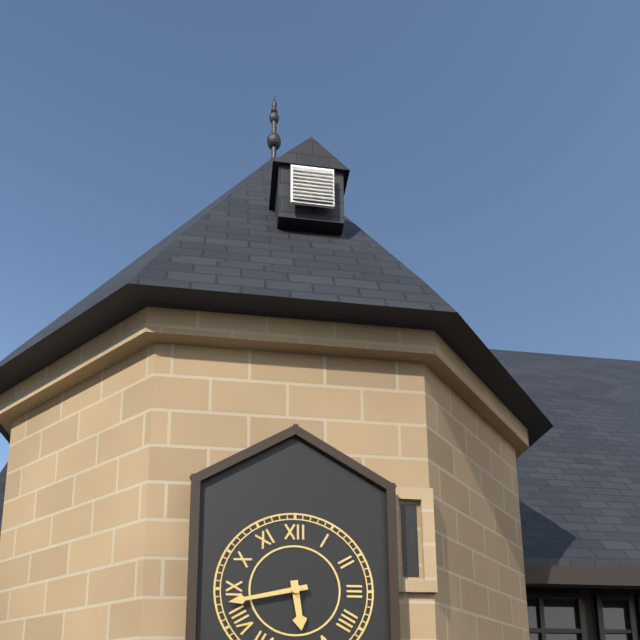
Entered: {"hour": 5, "minute": 43}
